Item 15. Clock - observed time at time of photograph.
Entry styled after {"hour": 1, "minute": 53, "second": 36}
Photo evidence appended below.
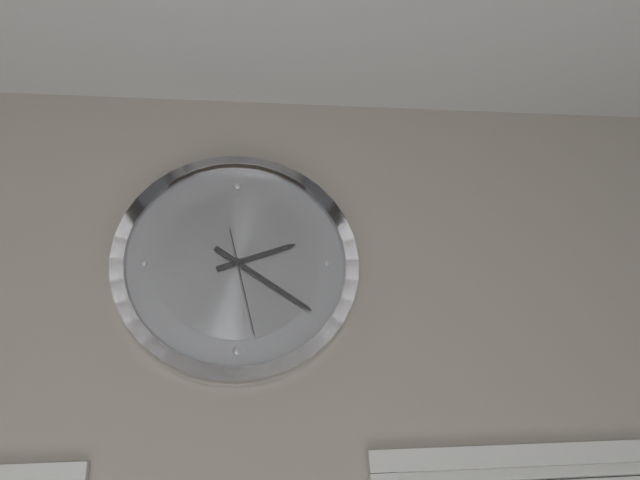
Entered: {"hour": 2, "minute": 21, "second": 28}
